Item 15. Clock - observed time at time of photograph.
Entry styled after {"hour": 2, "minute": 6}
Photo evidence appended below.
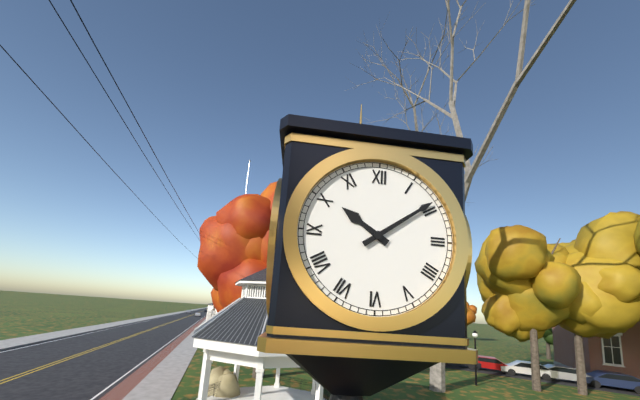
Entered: {"hour": 10, "minute": 9}
